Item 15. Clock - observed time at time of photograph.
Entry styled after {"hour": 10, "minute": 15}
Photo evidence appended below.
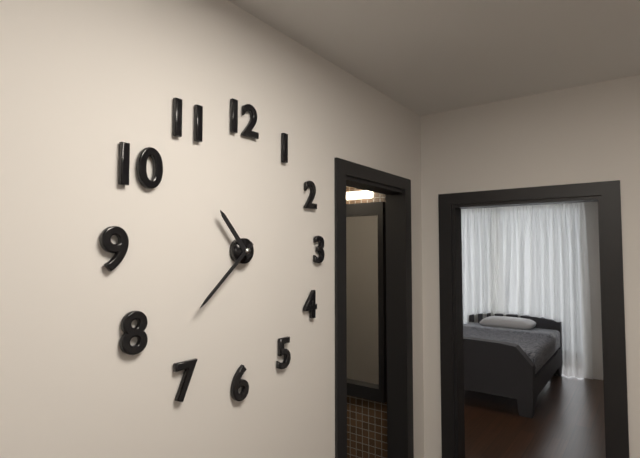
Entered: {"hour": 10, "minute": 38}
